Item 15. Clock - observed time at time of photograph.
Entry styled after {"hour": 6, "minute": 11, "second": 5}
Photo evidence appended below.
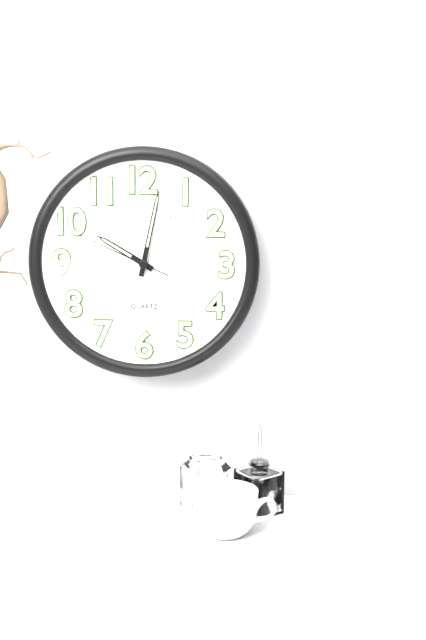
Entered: {"hour": 10, "minute": 2, "second": 49}
